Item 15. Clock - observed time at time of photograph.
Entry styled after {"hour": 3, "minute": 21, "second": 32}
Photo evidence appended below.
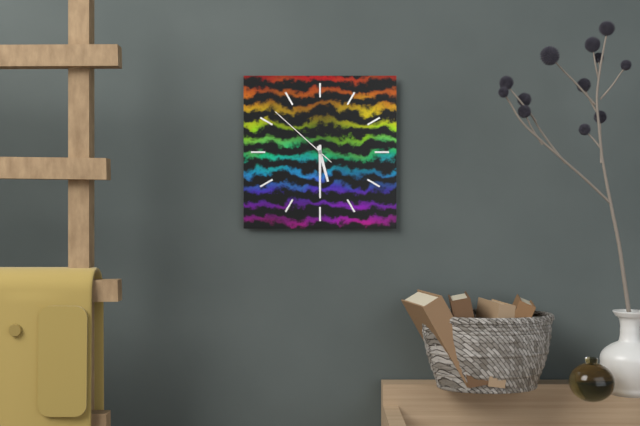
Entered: {"hour": 5, "minute": 30, "second": 52}
